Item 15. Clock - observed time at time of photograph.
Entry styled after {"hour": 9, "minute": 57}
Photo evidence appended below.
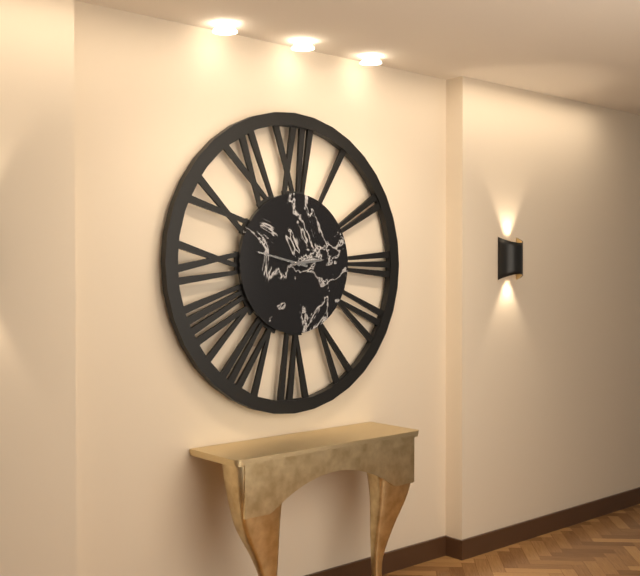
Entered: {"hour": 2, "minute": 47}
